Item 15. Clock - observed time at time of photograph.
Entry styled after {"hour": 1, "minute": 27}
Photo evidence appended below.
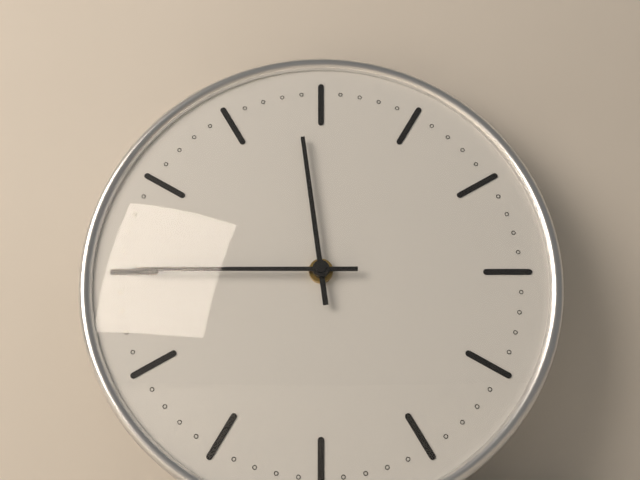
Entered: {"hour": 11, "minute": 45}
